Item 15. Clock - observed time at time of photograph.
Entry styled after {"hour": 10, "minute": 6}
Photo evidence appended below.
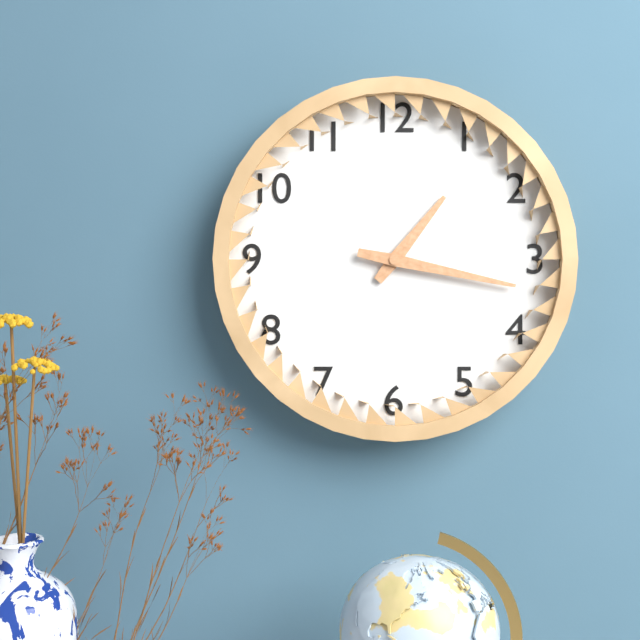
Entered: {"hour": 1, "minute": 17}
